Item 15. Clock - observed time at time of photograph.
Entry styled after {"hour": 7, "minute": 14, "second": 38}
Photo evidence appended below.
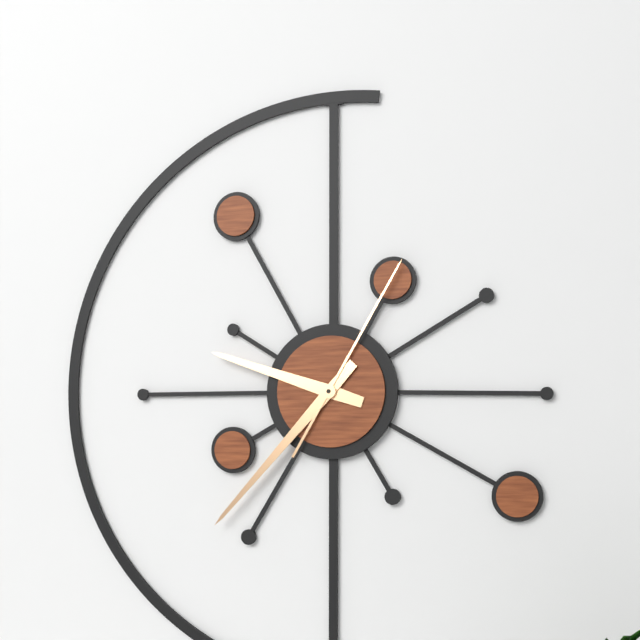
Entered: {"hour": 9, "minute": 37, "second": 5}
